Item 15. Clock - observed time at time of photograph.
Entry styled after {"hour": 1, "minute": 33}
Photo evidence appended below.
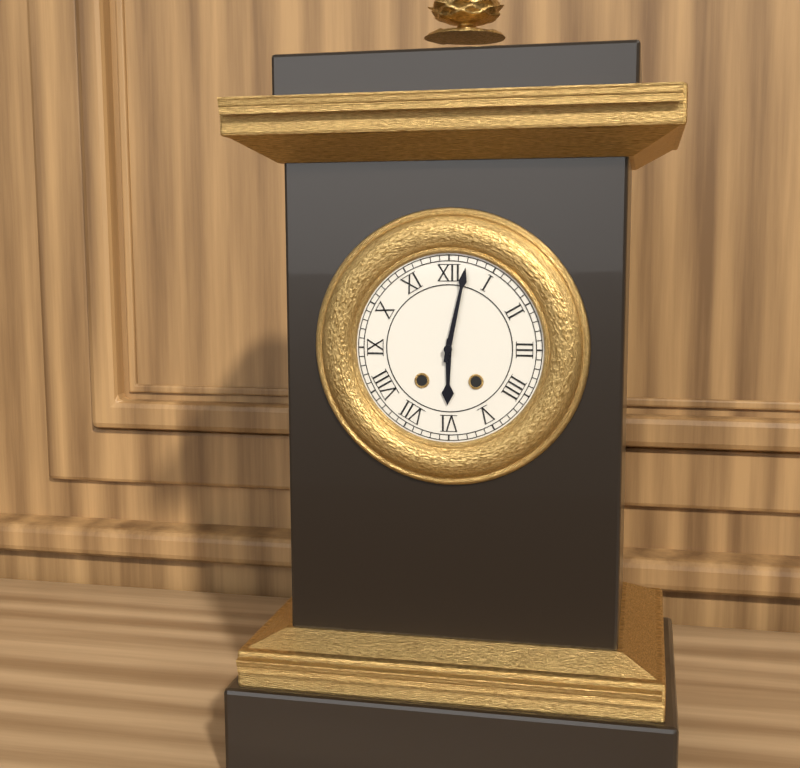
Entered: {"hour": 6, "minute": 2}
